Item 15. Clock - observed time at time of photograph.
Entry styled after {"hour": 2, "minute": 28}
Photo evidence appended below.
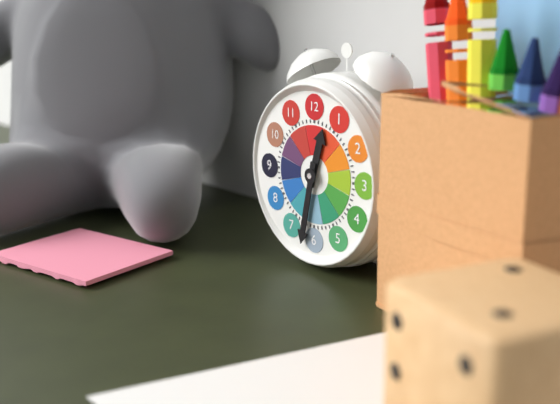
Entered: {"hour": 12, "minute": 32}
